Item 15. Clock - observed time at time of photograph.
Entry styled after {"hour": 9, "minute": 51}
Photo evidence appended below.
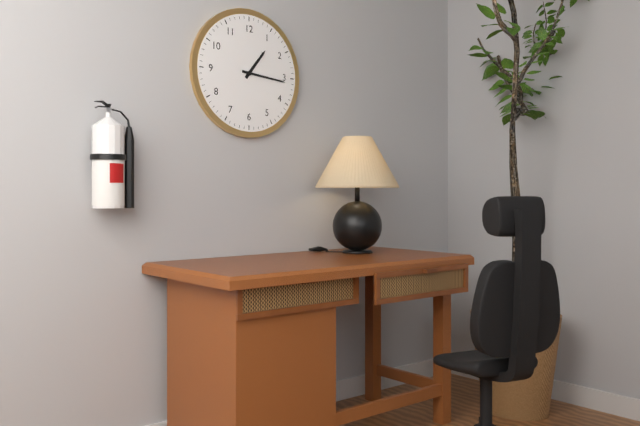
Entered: {"hour": 1, "minute": 16}
